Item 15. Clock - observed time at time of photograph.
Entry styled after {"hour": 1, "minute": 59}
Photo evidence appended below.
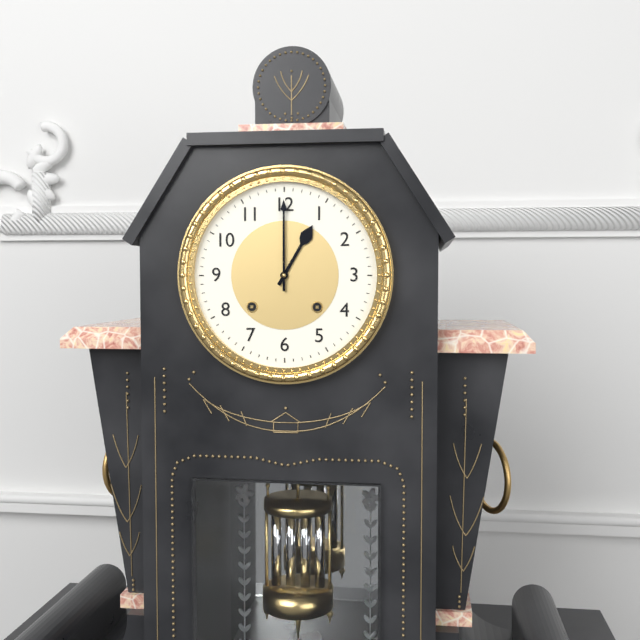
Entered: {"hour": 1, "minute": 0}
